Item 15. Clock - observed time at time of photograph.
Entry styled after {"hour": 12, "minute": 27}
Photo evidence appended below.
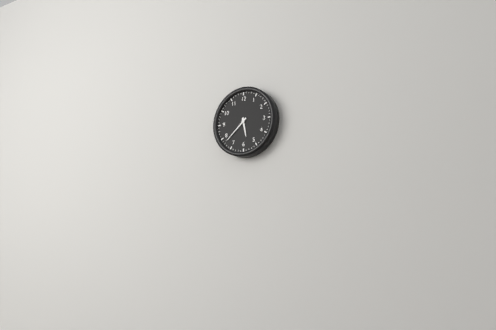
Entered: {"hour": 5, "minute": 38}
